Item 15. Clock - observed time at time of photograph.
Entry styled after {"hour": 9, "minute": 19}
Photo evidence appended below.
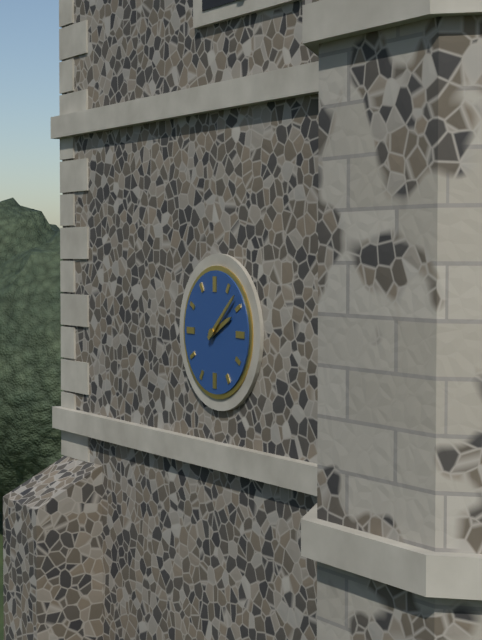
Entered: {"hour": 2, "minute": 8}
